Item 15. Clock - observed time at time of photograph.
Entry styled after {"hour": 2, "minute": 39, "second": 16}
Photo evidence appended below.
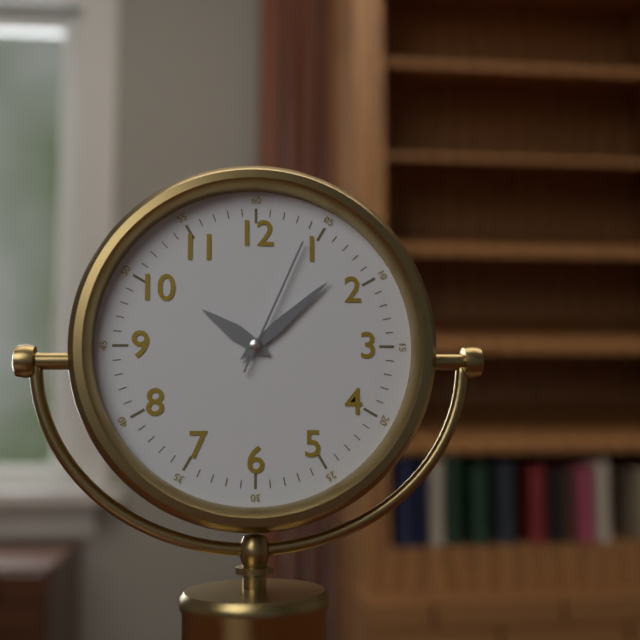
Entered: {"hour": 10, "minute": 8, "second": 4}
